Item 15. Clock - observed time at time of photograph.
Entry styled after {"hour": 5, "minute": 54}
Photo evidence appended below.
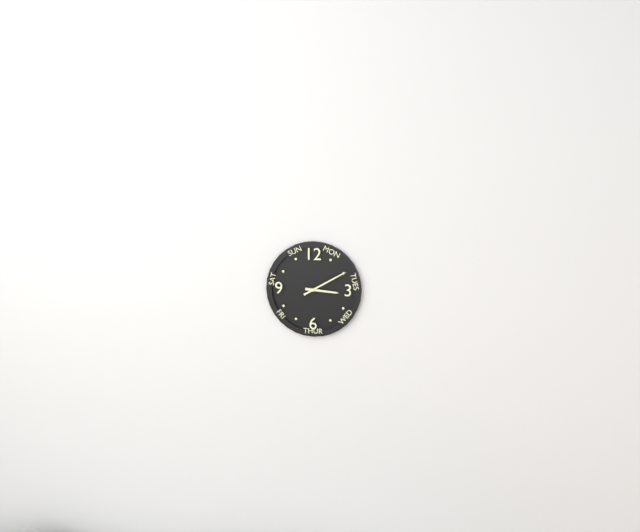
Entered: {"hour": 3, "minute": 10}
